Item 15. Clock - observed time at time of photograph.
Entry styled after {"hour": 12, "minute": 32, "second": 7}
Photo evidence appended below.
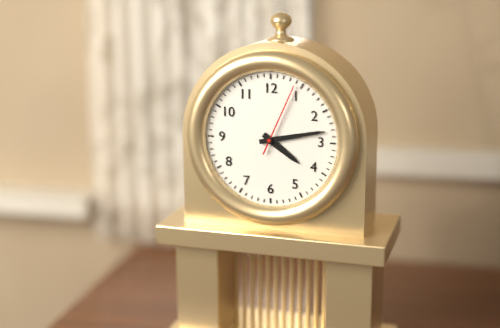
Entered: {"hour": 4, "minute": 13, "second": 4}
